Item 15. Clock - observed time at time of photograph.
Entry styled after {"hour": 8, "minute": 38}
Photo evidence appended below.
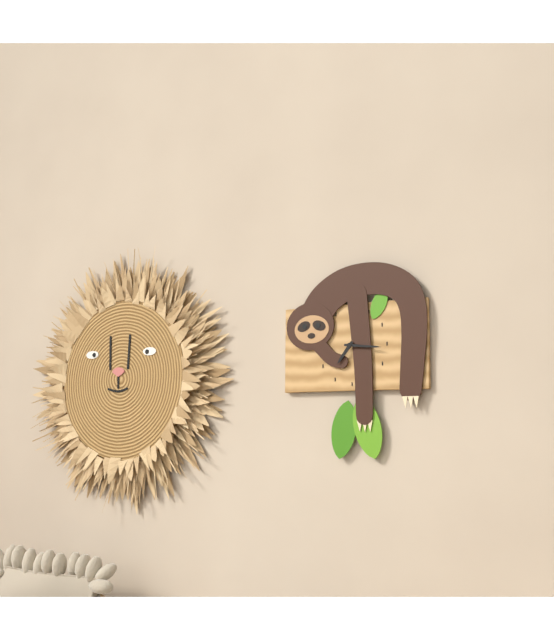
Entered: {"hour": 7, "minute": 16}
